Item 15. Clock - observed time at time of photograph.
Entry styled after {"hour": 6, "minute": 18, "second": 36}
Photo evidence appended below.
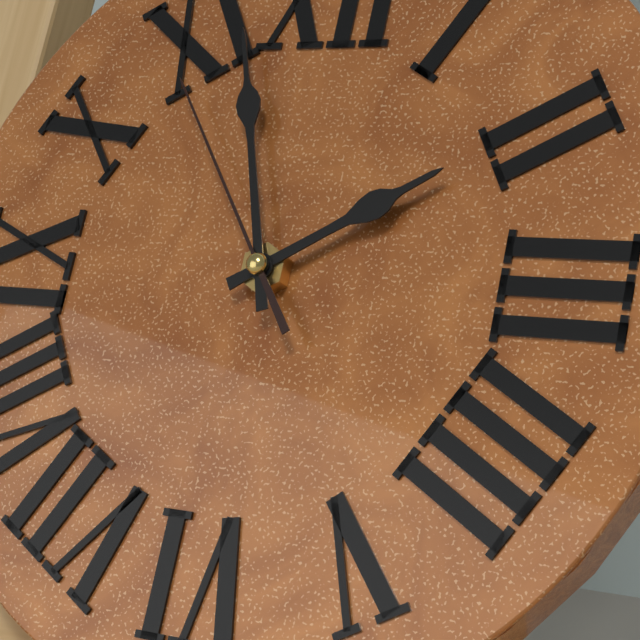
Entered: {"hour": 1, "minute": 57, "second": 54}
